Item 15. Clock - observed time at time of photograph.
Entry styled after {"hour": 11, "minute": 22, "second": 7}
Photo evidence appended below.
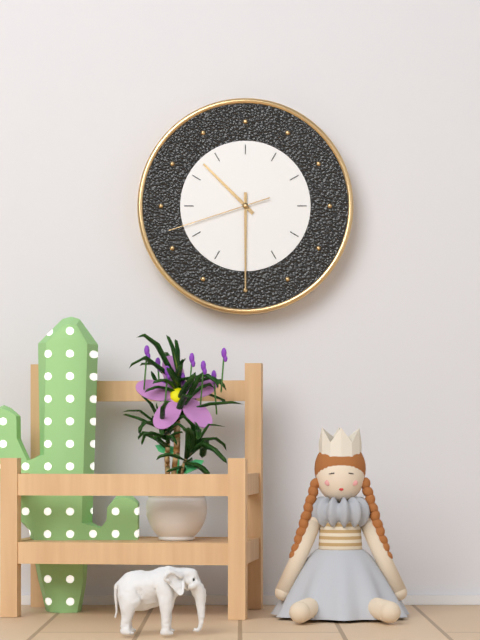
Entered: {"hour": 10, "minute": 30, "second": 42}
